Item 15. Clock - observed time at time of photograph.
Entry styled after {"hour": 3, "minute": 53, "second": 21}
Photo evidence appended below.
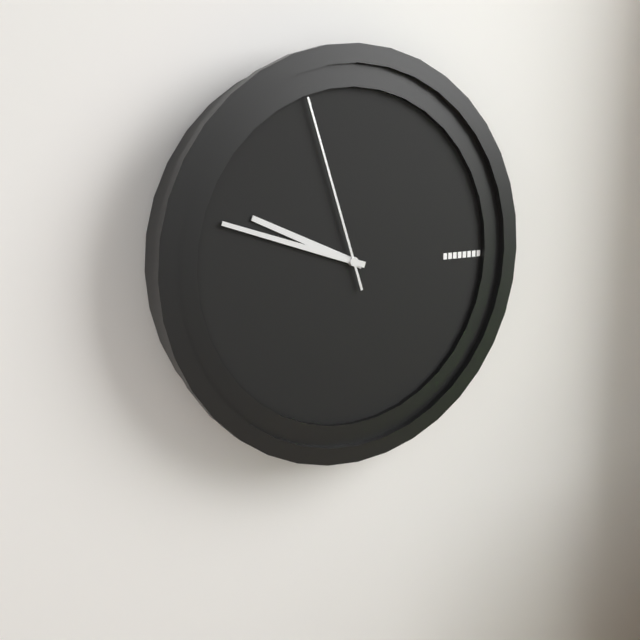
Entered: {"hour": 9, "minute": 48, "second": 57}
